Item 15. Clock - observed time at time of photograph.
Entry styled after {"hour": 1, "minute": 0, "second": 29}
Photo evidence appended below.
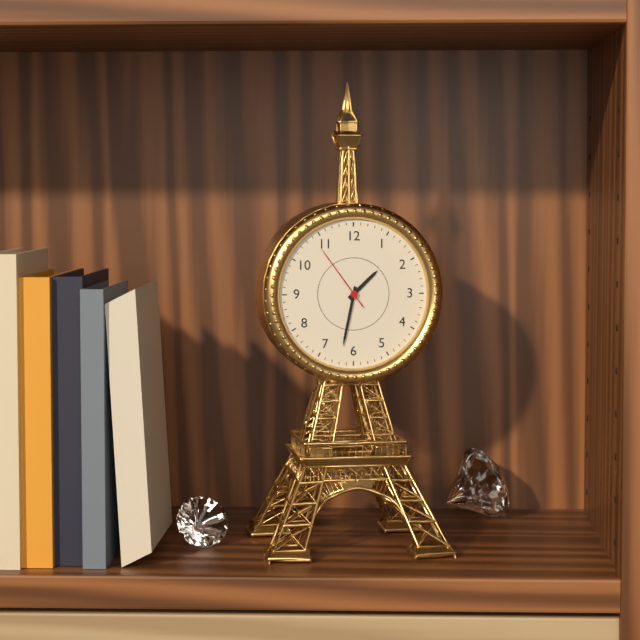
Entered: {"hour": 1, "minute": 32, "second": 54}
